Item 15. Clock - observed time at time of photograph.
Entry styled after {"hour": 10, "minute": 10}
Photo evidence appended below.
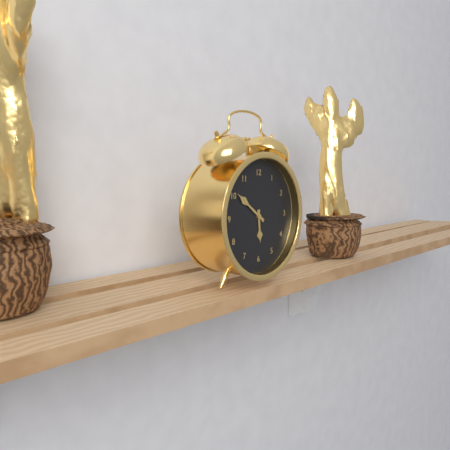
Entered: {"hour": 5, "minute": 51}
